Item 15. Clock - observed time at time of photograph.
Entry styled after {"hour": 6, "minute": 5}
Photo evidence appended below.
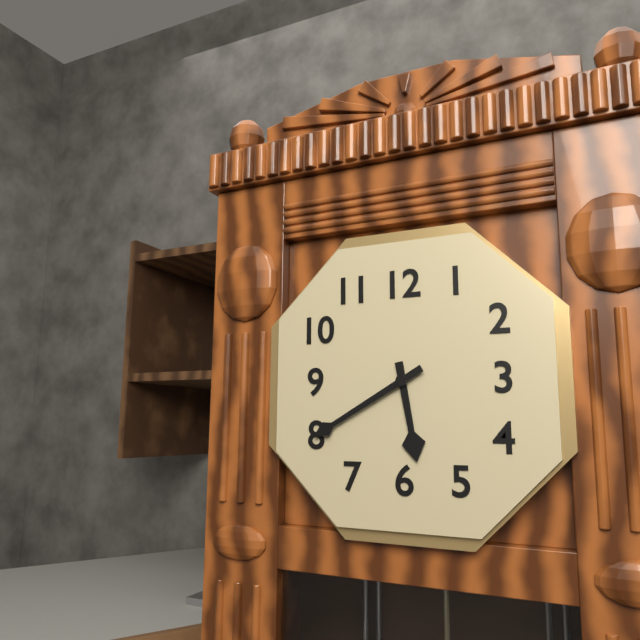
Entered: {"hour": 5, "minute": 40}
